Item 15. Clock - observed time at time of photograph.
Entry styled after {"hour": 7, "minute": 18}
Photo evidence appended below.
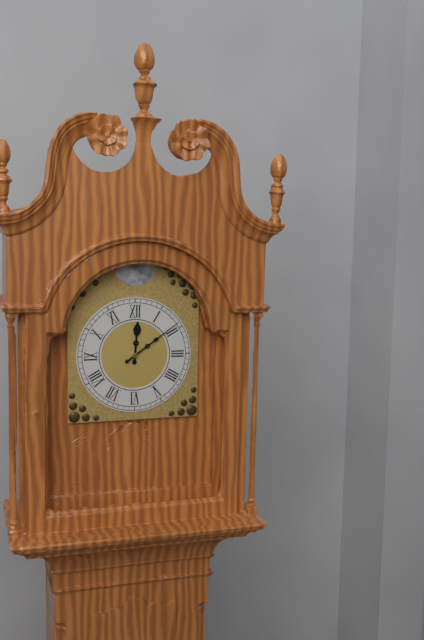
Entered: {"hour": 12, "minute": 9}
